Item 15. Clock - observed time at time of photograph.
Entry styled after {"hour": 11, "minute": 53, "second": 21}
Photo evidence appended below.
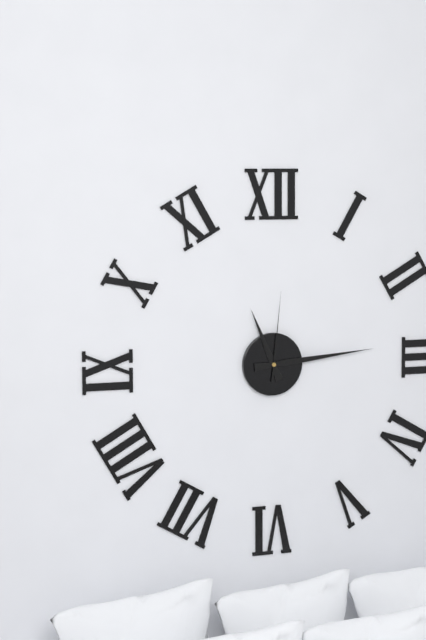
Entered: {"hour": 11, "minute": 14, "second": 1}
